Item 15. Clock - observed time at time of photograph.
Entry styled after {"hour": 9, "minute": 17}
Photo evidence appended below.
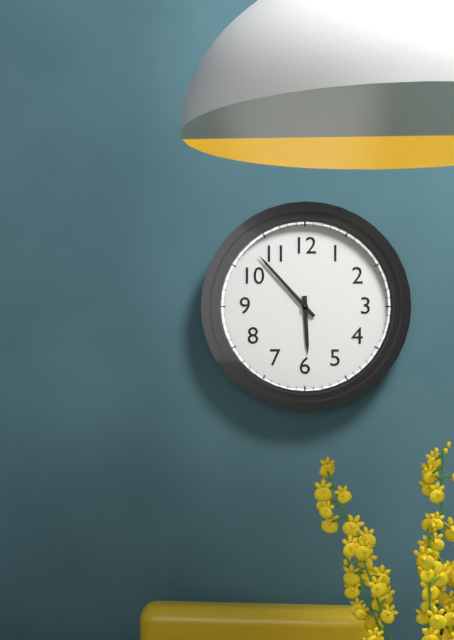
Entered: {"hour": 5, "minute": 53}
